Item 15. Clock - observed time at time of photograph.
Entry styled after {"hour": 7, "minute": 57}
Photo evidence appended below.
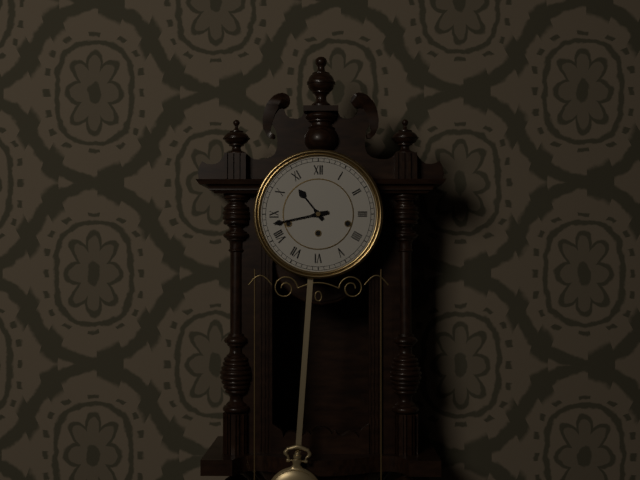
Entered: {"hour": 10, "minute": 43}
